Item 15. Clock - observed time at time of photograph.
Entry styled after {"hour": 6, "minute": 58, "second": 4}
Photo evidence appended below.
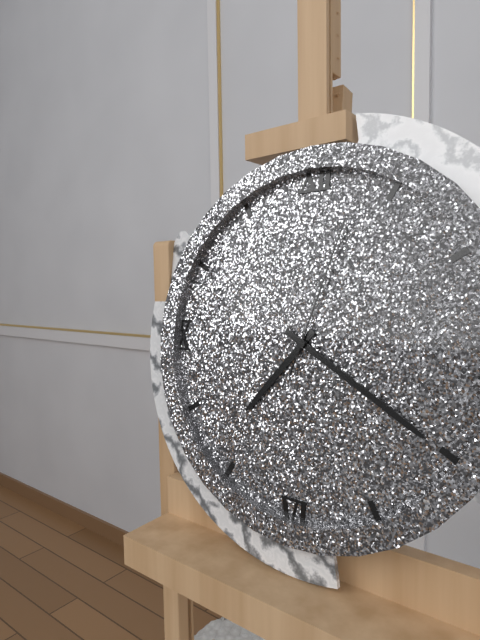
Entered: {"hour": 7, "minute": 20, "second": 3}
